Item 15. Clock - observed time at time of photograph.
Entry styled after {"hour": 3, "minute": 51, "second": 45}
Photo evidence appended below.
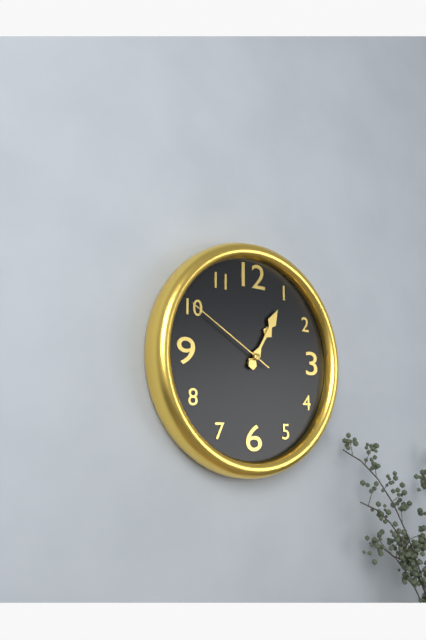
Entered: {"hour": 1, "minute": 5, "second": 50}
